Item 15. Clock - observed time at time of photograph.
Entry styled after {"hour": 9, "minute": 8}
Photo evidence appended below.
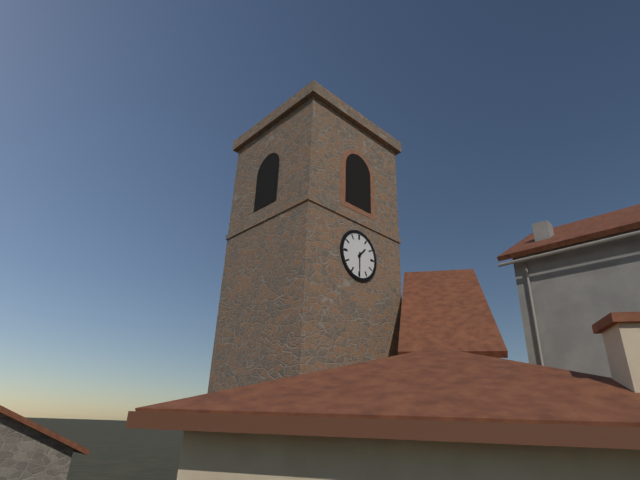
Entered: {"hour": 1, "minute": 30}
